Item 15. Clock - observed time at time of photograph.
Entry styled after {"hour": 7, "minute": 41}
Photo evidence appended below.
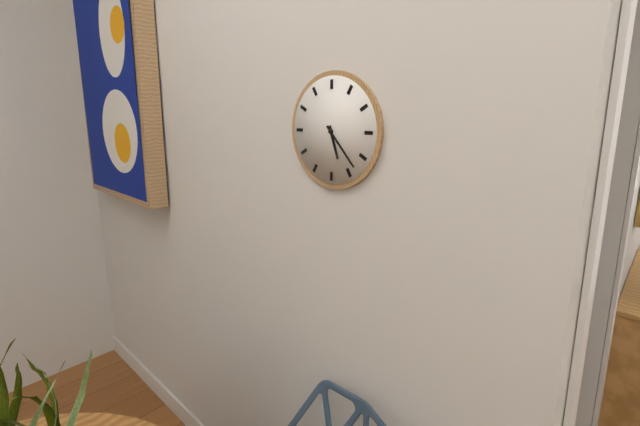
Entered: {"hour": 5, "minute": 23}
